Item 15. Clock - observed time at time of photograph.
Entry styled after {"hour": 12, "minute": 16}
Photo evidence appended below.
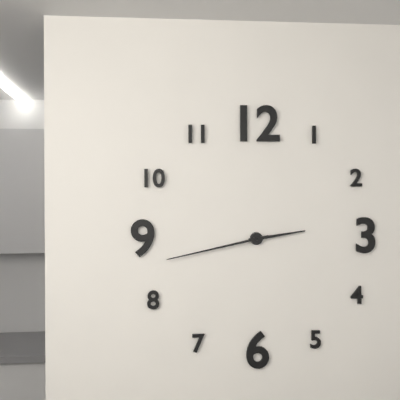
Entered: {"hour": 2, "minute": 43}
